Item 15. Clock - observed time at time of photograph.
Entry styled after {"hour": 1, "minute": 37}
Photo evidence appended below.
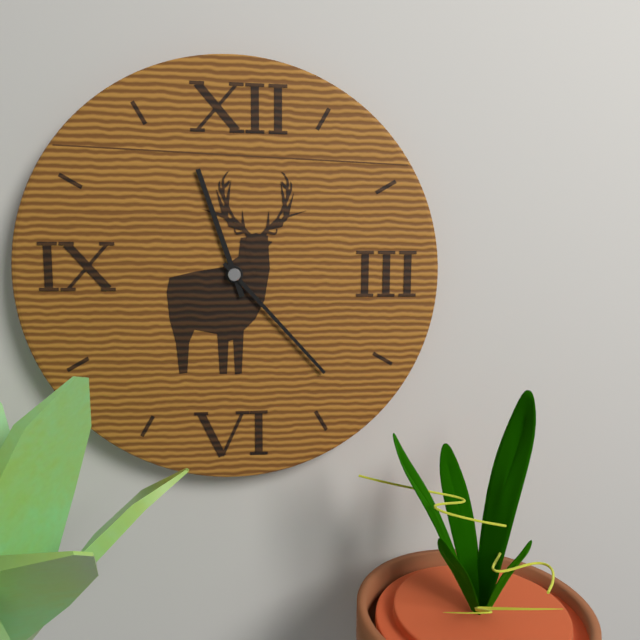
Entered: {"hour": 11, "minute": 23}
